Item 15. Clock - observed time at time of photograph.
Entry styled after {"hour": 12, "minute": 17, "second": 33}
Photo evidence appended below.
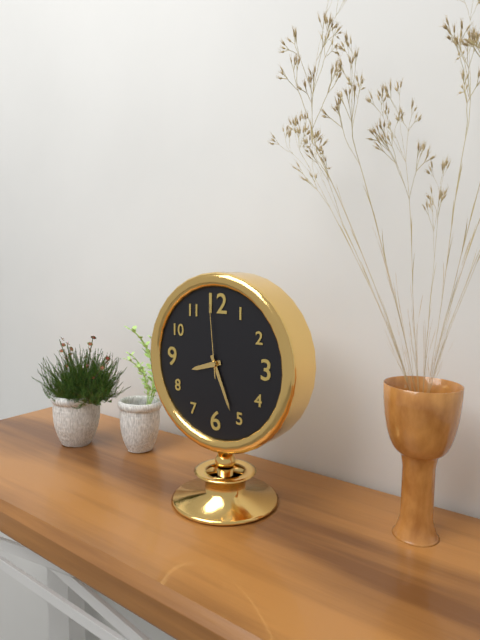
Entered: {"hour": 8, "minute": 26, "second": 59}
